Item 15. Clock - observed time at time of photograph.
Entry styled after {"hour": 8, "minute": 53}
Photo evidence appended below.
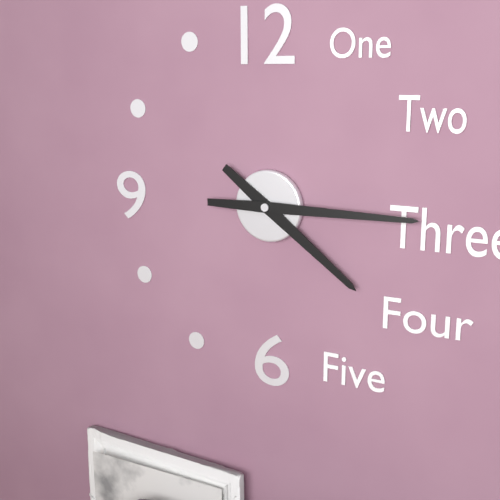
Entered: {"hour": 4, "minute": 15}
